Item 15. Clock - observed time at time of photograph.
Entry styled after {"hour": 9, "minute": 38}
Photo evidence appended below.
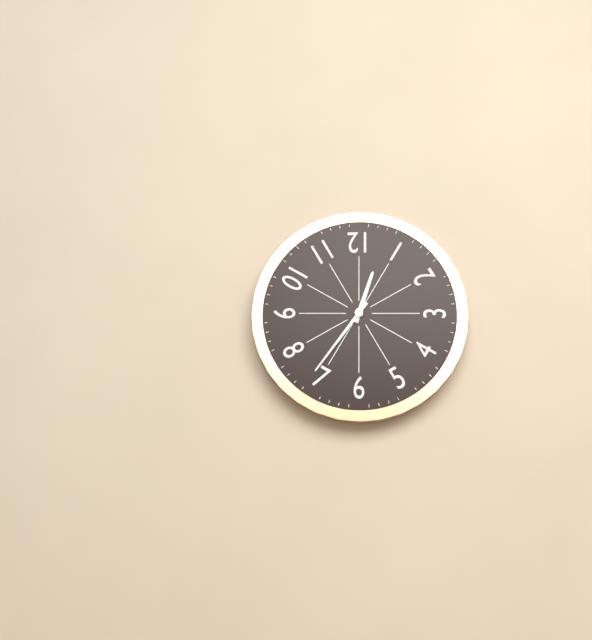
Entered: {"hour": 12, "minute": 36}
